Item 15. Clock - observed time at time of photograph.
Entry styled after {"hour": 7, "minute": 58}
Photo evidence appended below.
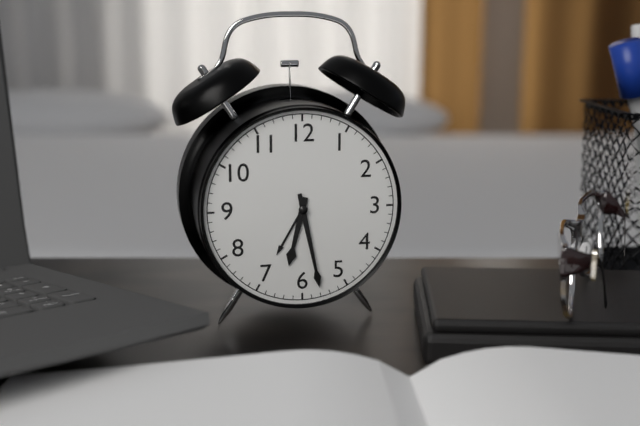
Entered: {"hour": 6, "minute": 28}
